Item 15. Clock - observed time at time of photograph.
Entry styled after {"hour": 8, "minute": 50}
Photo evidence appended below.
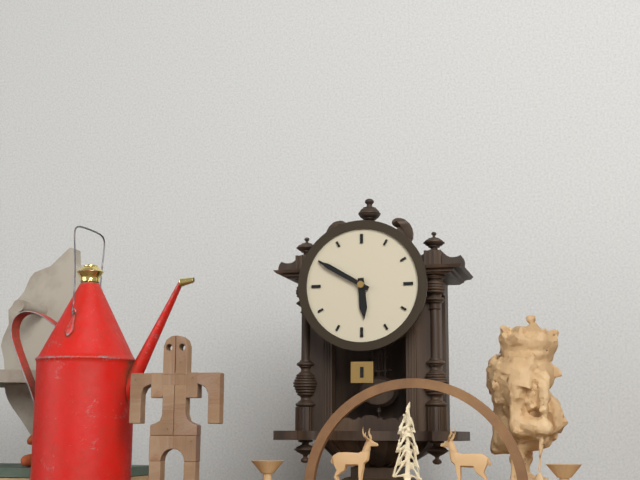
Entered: {"hour": 5, "minute": 50}
